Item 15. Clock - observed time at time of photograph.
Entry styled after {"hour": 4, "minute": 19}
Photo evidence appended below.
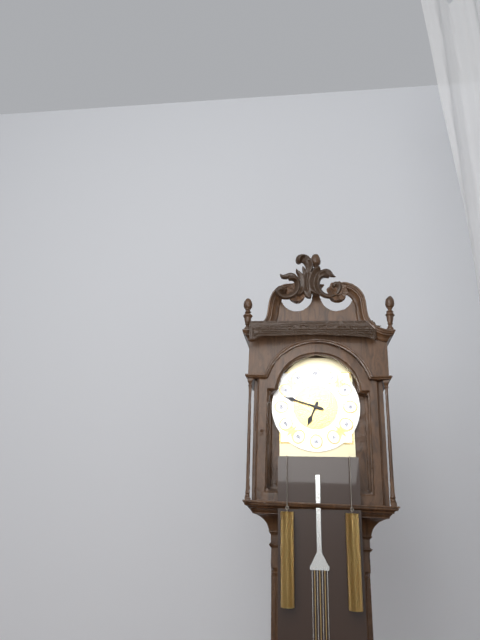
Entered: {"hour": 6, "minute": 48}
